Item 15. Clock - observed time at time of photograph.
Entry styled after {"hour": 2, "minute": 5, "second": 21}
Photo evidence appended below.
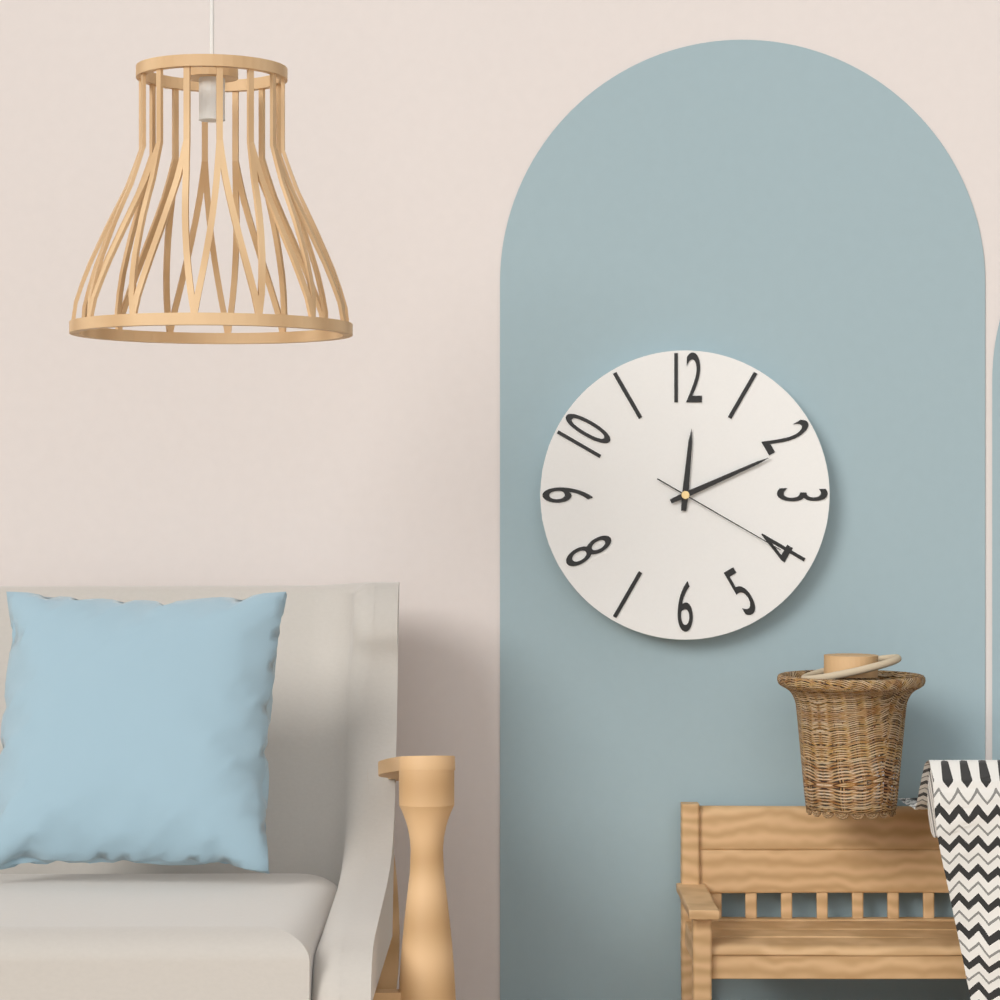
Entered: {"hour": 12, "minute": 11, "second": 20}
